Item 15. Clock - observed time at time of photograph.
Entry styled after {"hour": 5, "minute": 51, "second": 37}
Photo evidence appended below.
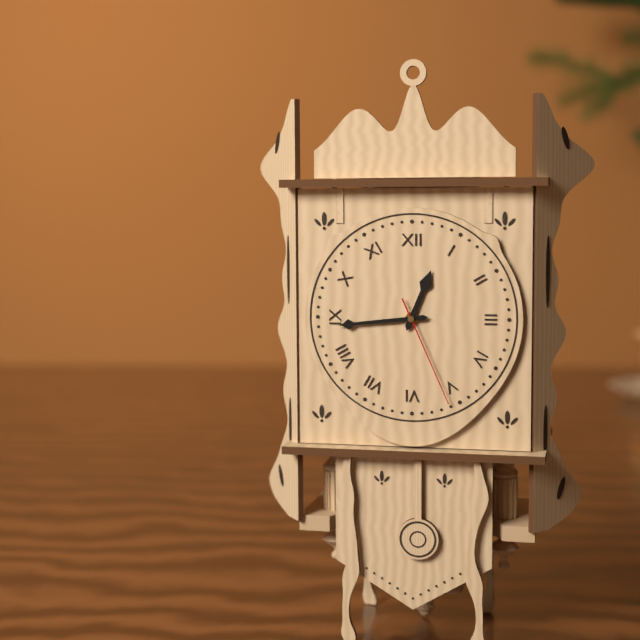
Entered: {"hour": 12, "minute": 44, "second": 26}
